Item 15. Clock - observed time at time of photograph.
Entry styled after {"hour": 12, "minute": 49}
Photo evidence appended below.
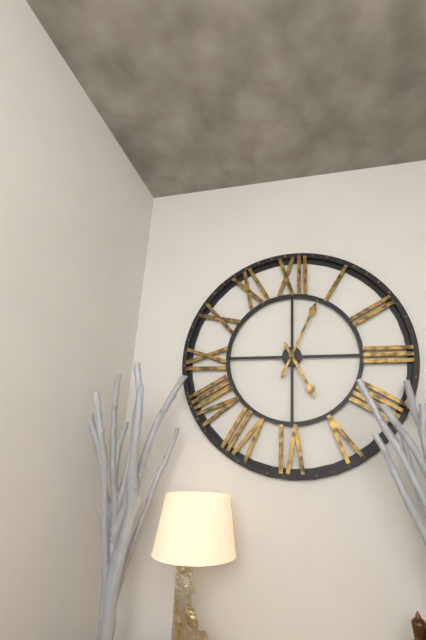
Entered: {"hour": 5, "minute": 4}
